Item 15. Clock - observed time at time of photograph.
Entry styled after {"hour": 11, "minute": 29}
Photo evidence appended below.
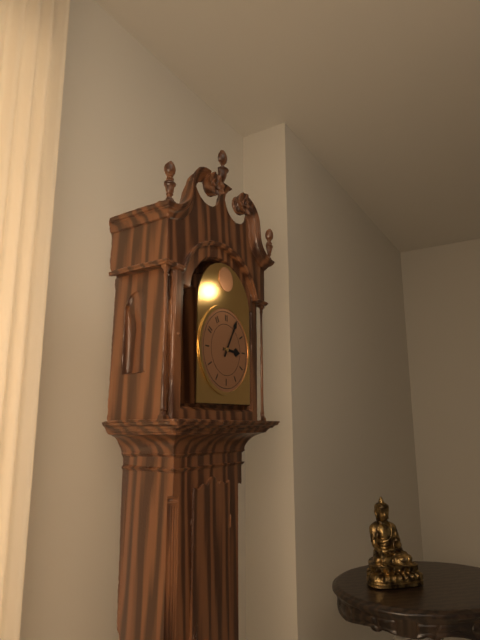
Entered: {"hour": 3, "minute": 5}
